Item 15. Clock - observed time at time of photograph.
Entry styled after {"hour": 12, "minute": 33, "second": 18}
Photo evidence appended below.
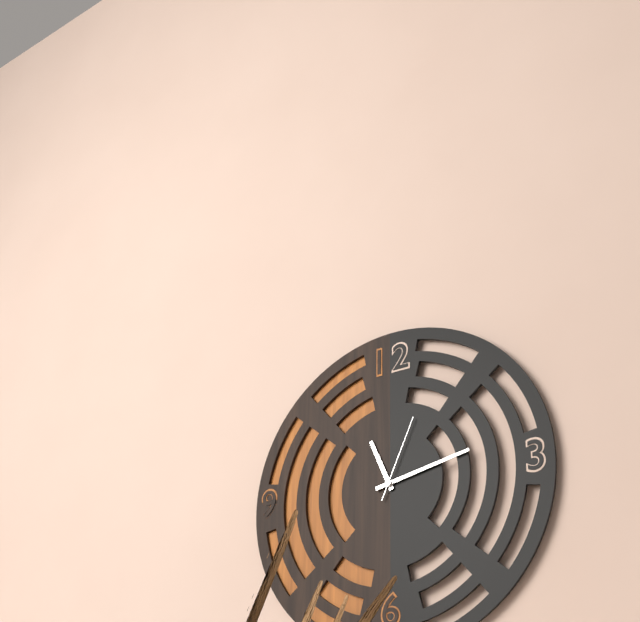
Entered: {"hour": 11, "minute": 13, "second": 4}
